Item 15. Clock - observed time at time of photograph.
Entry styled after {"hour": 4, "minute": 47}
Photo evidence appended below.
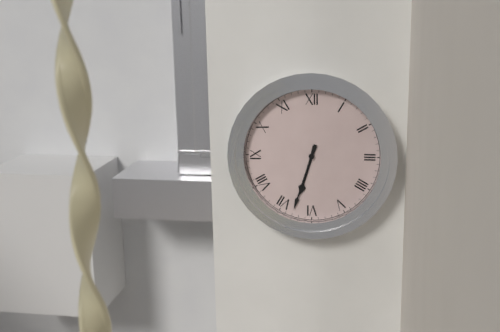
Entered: {"hour": 6, "minute": 33}
